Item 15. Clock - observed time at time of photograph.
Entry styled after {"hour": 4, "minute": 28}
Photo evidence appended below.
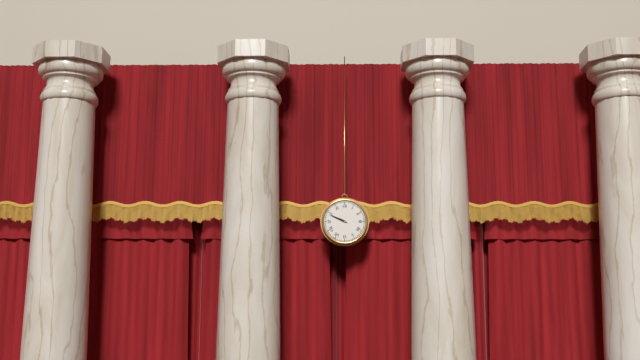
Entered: {"hour": 9, "minute": 49}
